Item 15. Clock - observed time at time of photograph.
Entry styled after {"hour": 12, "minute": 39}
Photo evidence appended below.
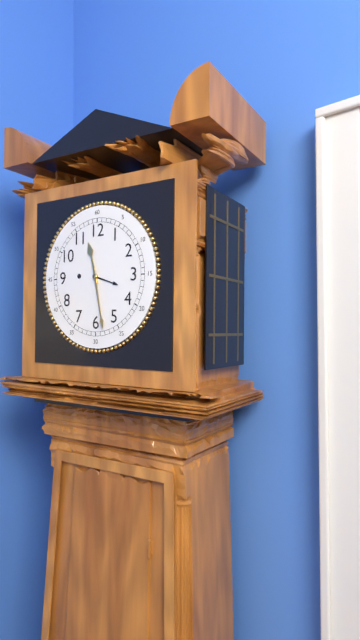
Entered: {"hour": 11, "minute": 28}
